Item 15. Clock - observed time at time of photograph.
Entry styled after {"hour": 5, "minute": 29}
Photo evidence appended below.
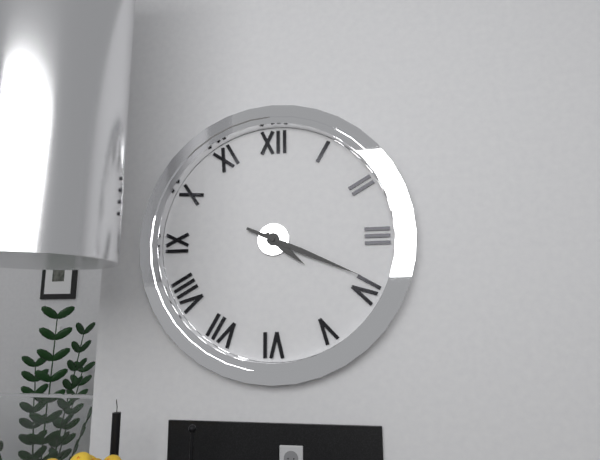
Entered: {"hour": 4, "minute": 19}
